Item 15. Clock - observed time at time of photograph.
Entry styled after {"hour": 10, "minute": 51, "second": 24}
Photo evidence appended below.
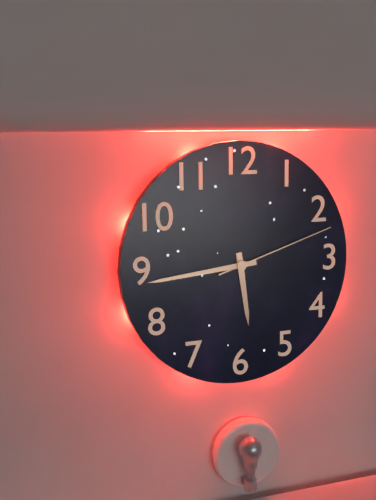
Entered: {"hour": 5, "minute": 44, "second": 12}
